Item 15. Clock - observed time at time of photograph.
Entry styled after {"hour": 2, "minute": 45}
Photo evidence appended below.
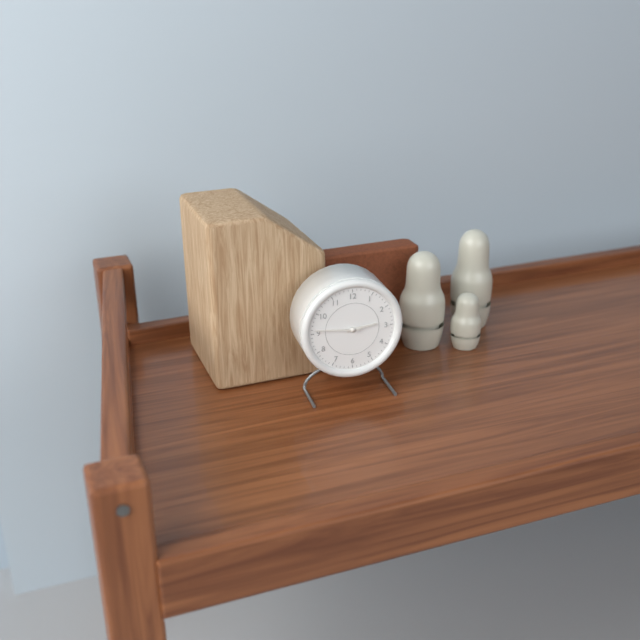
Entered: {"hour": 2, "minute": 46}
